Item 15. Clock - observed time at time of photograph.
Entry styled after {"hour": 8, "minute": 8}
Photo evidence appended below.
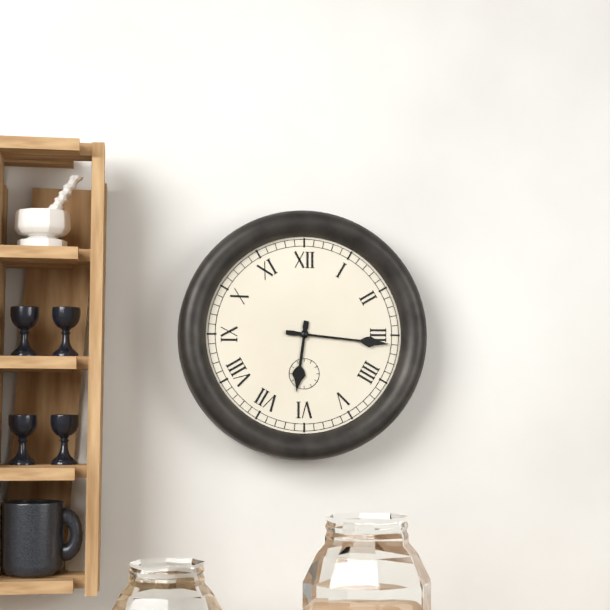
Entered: {"hour": 6, "minute": 16}
